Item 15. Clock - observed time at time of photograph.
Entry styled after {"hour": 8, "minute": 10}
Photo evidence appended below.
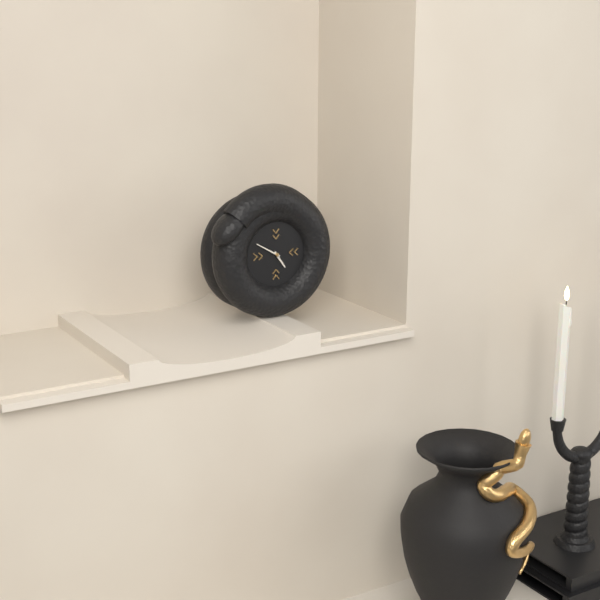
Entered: {"hour": 4, "minute": 50}
